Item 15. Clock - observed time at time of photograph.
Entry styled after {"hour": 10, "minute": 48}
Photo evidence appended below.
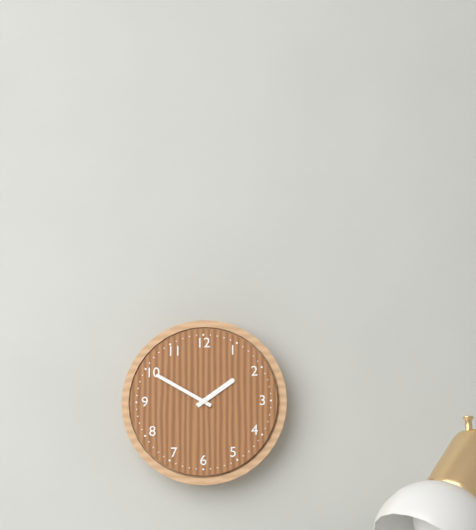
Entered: {"hour": 1, "minute": 50}
